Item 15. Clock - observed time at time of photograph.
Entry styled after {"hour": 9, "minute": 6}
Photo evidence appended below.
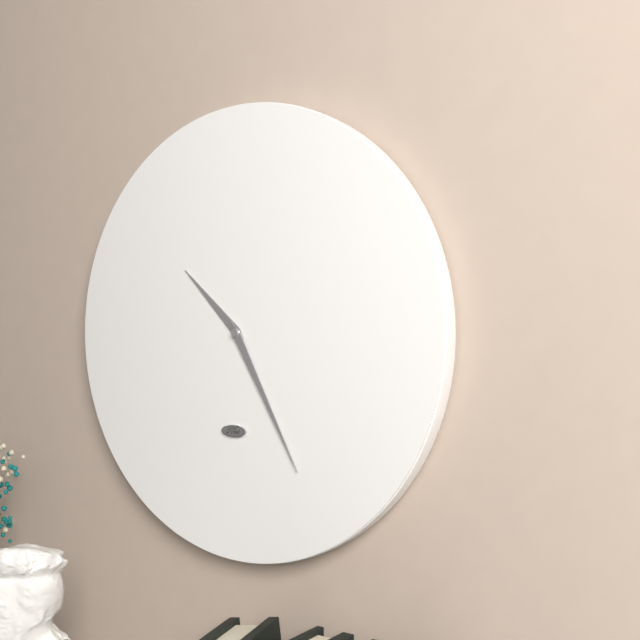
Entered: {"hour": 10, "minute": 25}
